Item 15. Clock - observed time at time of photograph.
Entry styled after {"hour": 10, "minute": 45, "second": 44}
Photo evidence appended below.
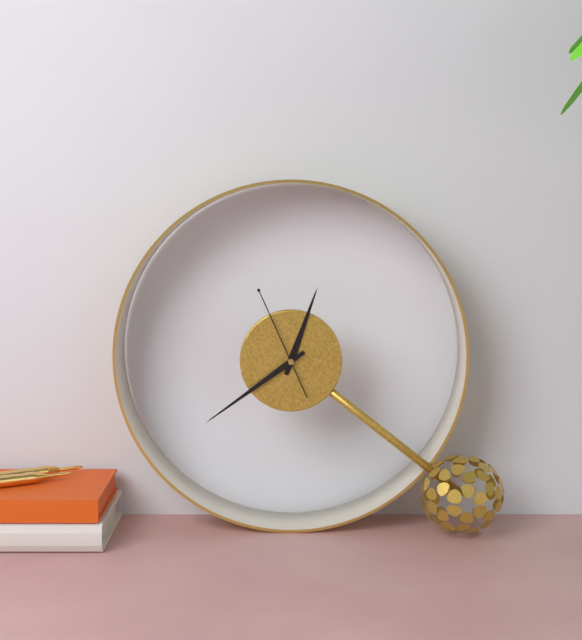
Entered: {"hour": 12, "minute": 39, "second": 56}
